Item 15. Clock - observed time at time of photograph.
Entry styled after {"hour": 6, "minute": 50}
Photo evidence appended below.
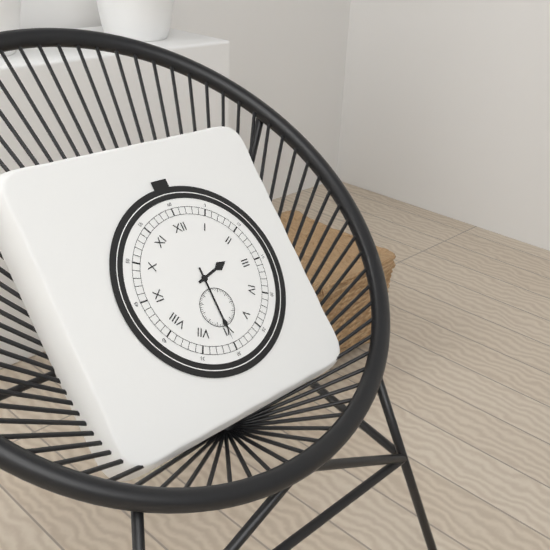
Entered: {"hour": 2, "minute": 30}
